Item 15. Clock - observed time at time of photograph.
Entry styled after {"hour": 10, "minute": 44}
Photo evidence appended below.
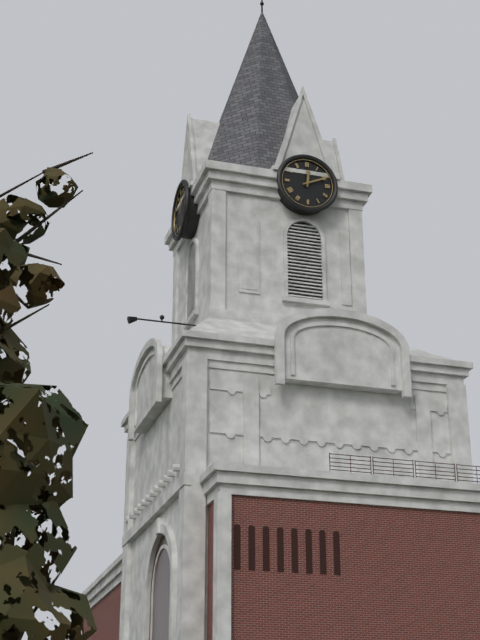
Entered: {"hour": 12, "minute": 11}
